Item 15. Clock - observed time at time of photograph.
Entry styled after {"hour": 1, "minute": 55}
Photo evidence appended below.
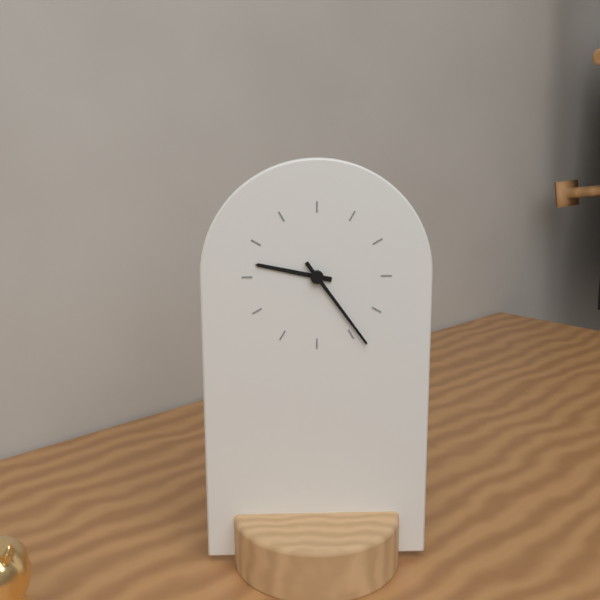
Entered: {"hour": 9, "minute": 24}
